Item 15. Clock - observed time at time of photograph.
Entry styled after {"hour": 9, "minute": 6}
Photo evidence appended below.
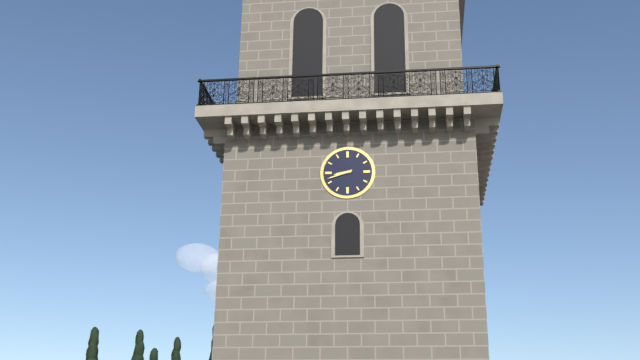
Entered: {"hour": 8, "minute": 42}
